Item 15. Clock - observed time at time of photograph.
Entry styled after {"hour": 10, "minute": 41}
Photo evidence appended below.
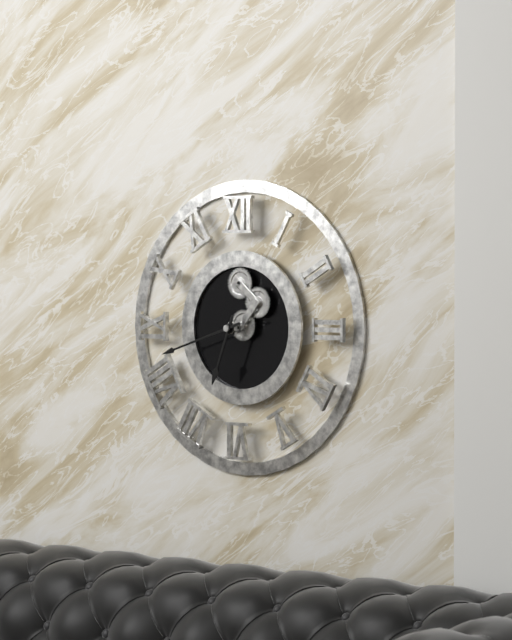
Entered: {"hour": 6, "minute": 42}
